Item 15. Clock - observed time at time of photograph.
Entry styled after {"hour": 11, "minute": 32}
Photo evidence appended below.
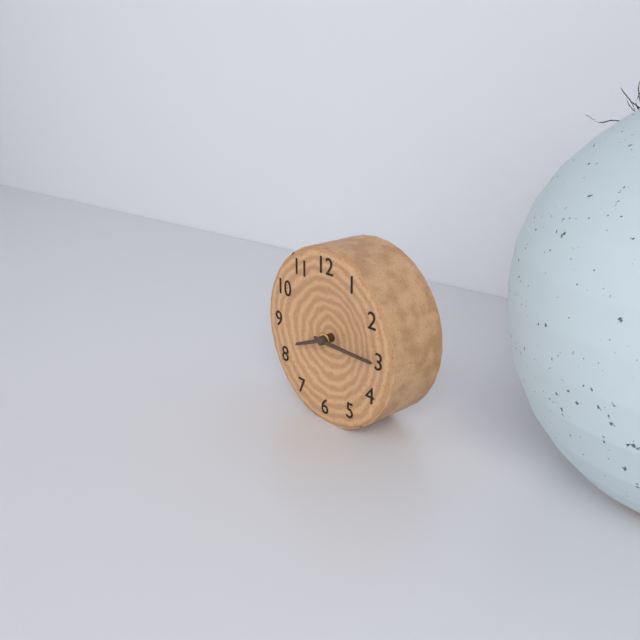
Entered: {"hour": 8, "minute": 15}
